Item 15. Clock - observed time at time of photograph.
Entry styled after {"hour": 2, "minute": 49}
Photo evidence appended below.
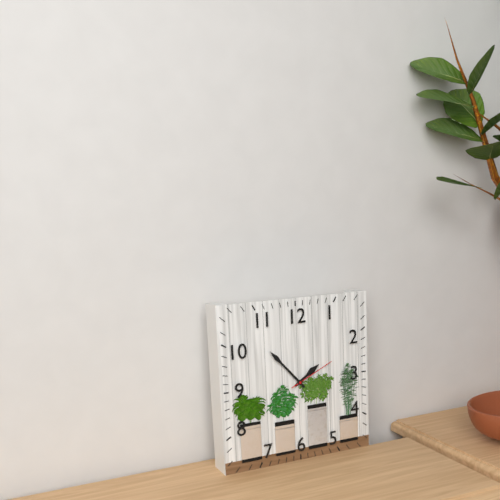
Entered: {"hour": 1, "minute": 53}
